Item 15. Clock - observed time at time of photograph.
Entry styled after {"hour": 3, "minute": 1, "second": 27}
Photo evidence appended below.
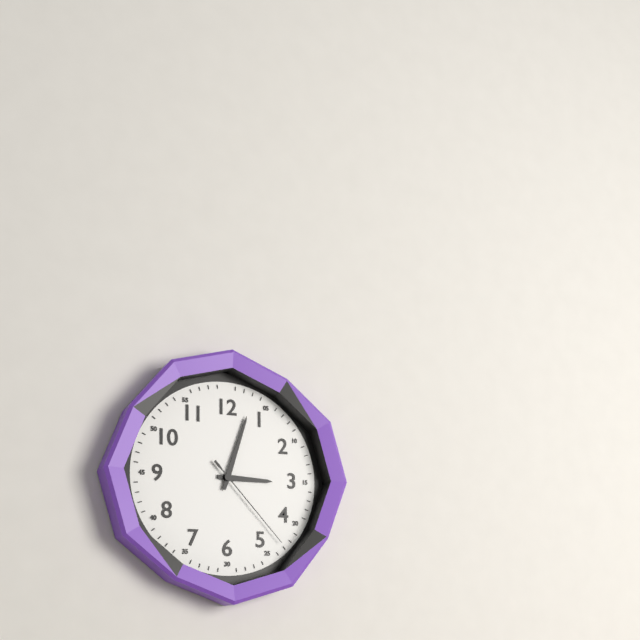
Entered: {"hour": 3, "minute": 3, "second": 23}
